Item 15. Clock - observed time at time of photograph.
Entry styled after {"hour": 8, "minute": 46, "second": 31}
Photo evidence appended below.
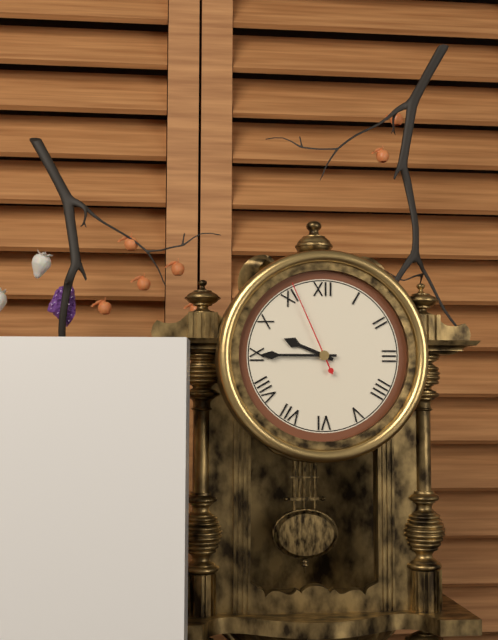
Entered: {"hour": 9, "minute": 45, "second": 56}
